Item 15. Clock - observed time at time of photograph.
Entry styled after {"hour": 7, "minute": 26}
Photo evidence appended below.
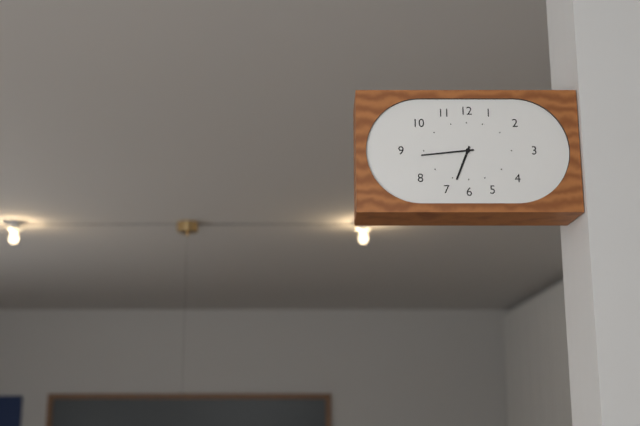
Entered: {"hour": 6, "minute": 44}
